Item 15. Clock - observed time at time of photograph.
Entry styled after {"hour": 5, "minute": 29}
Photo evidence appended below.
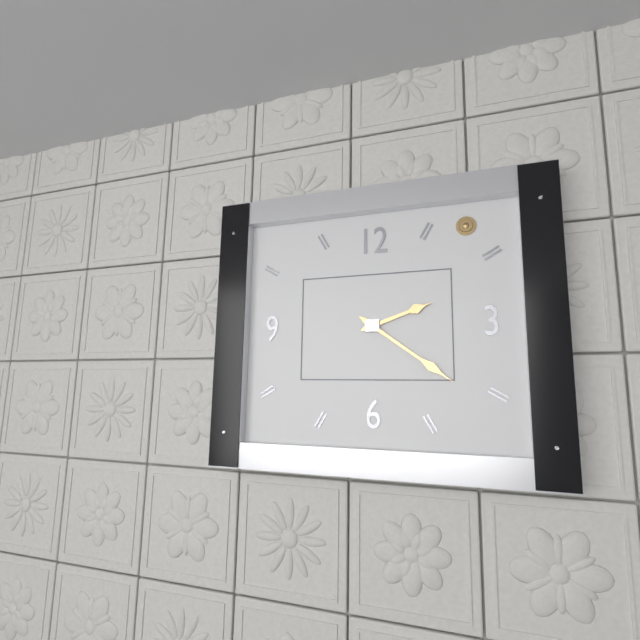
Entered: {"hour": 2, "minute": 21}
